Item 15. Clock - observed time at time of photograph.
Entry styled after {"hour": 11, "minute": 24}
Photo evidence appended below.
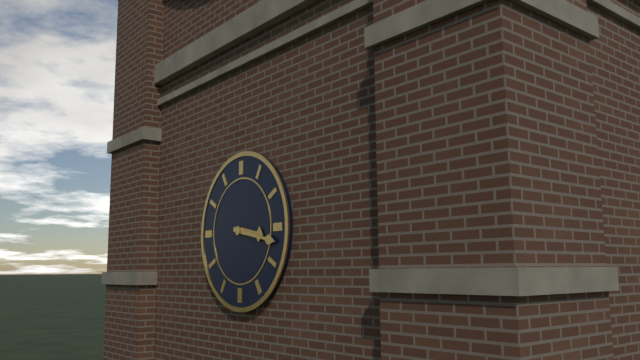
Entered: {"hour": 3, "minute": 17}
